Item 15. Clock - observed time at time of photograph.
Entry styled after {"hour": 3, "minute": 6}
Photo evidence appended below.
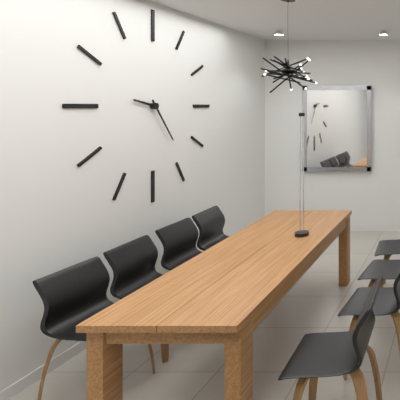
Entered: {"hour": 9, "minute": 24}
